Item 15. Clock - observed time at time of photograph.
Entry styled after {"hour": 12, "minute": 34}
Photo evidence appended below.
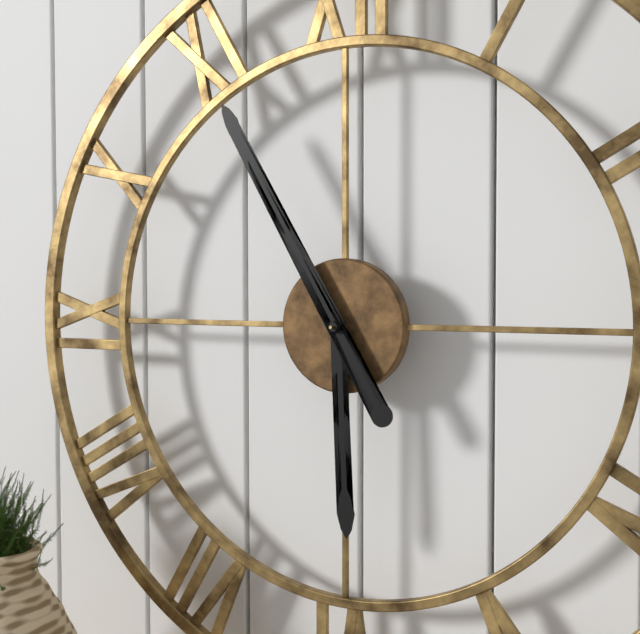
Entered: {"hour": 5, "minute": 55}
